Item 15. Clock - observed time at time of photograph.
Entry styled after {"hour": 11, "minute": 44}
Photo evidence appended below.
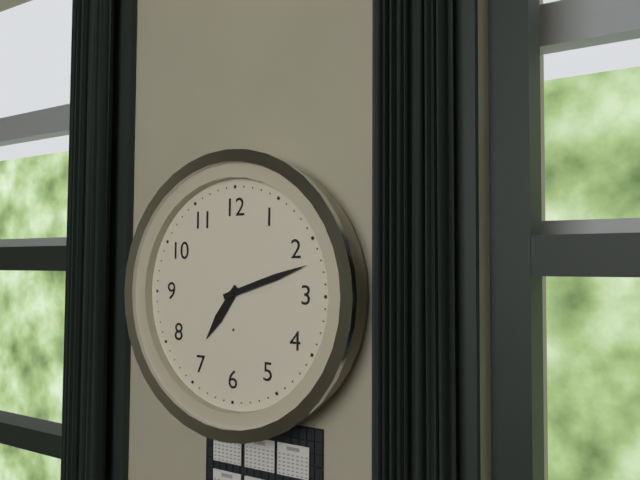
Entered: {"hour": 7, "minute": 12}
